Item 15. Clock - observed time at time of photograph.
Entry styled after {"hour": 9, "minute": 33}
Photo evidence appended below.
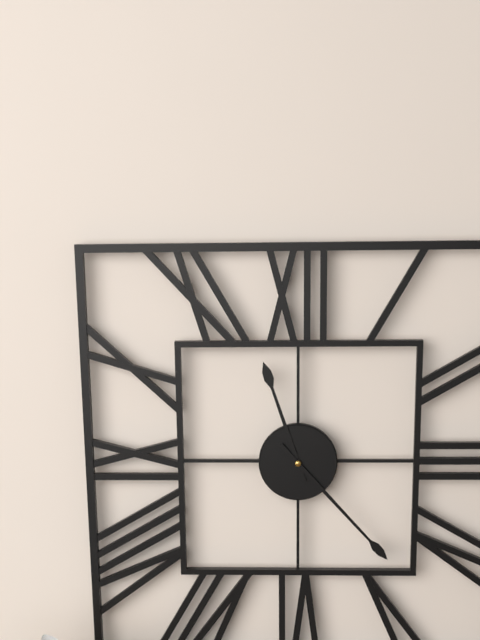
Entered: {"hour": 11, "minute": 23}
